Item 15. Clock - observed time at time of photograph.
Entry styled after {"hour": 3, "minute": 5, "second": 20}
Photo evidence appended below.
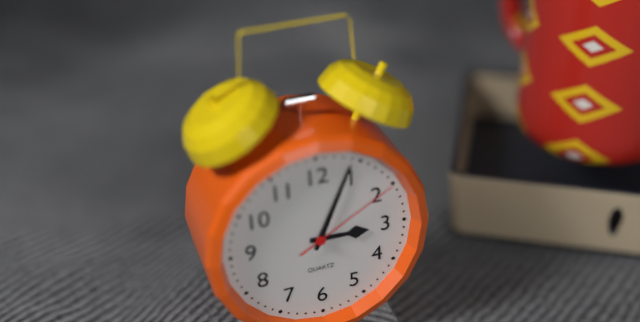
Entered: {"hour": 3, "minute": 4, "second": 10}
